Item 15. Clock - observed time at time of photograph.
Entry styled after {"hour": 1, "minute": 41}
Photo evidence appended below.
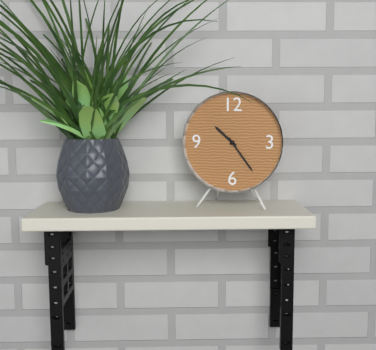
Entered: {"hour": 10, "minute": 24}
